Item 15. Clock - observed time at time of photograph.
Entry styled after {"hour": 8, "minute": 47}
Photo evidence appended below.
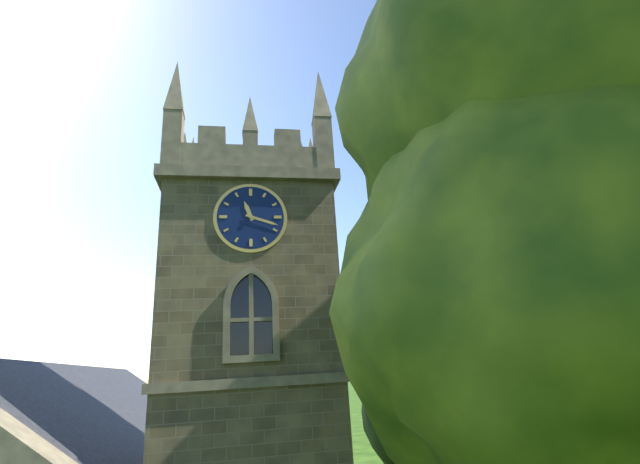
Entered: {"hour": 11, "minute": 18}
